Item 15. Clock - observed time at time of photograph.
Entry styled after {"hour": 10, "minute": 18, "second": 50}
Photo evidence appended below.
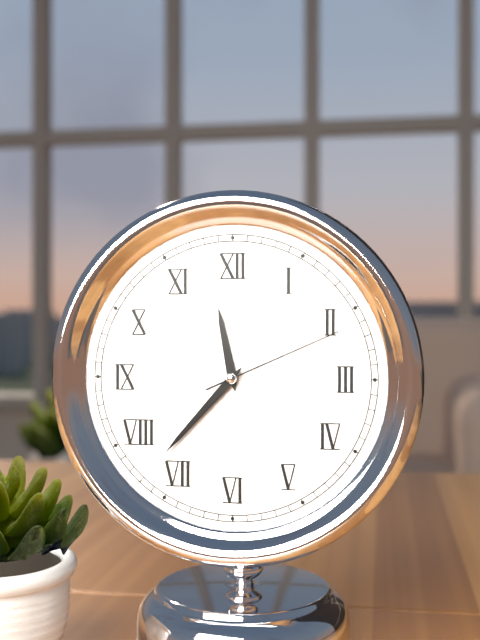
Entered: {"hour": 11, "minute": 37, "second": 11}
